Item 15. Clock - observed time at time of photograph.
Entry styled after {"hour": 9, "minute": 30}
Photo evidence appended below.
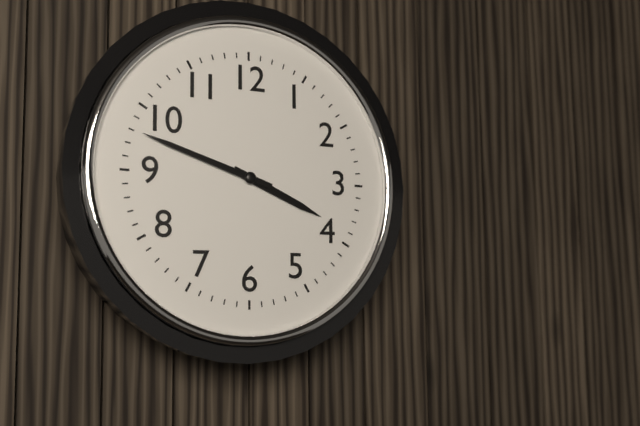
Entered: {"hour": 3, "minute": 48}
